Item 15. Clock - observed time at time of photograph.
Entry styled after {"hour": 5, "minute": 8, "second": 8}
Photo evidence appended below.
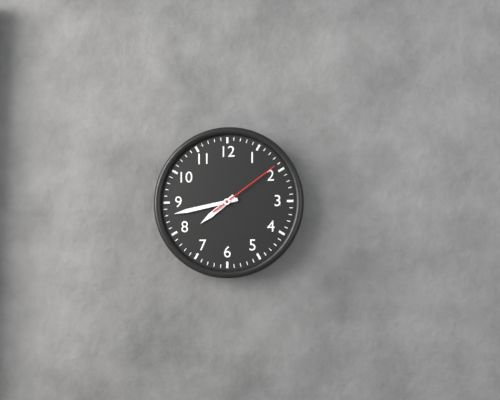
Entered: {"hour": 7, "minute": 43, "second": 9}
